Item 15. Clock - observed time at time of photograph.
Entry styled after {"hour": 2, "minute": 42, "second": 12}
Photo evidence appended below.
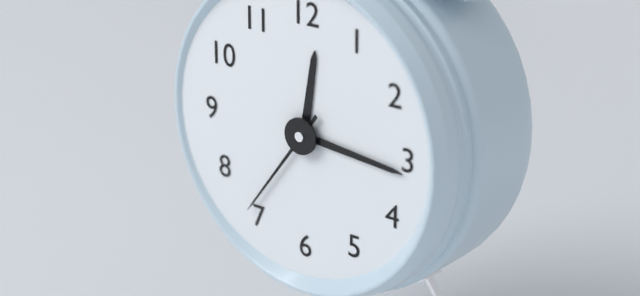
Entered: {"hour": 12, "minute": 16, "second": 36}
